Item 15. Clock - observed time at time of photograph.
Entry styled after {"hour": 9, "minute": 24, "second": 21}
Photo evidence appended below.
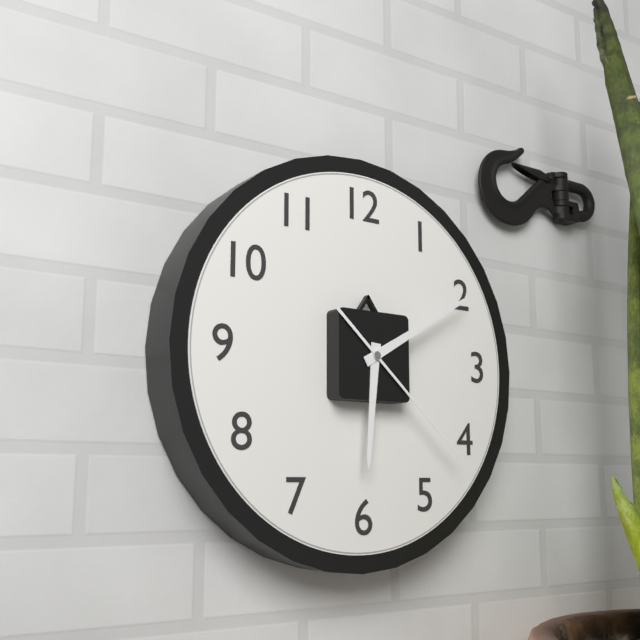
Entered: {"hour": 6, "minute": 10, "second": 22}
